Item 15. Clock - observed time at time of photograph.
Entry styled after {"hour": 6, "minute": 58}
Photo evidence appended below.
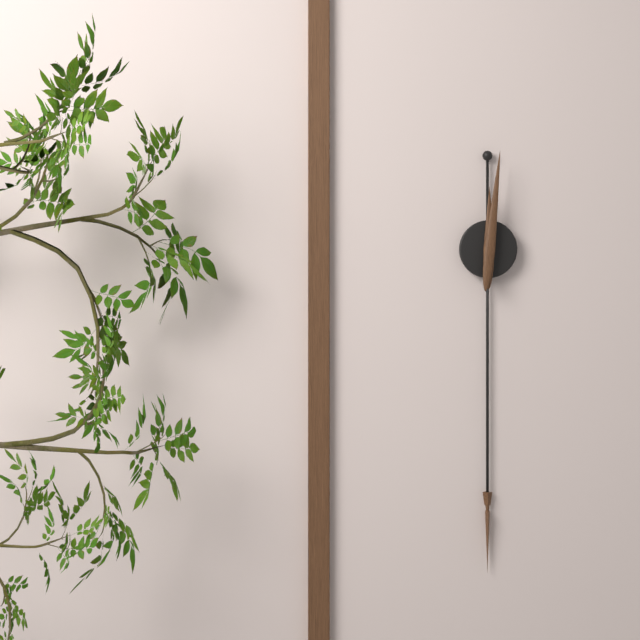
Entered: {"hour": 12, "minute": 1}
